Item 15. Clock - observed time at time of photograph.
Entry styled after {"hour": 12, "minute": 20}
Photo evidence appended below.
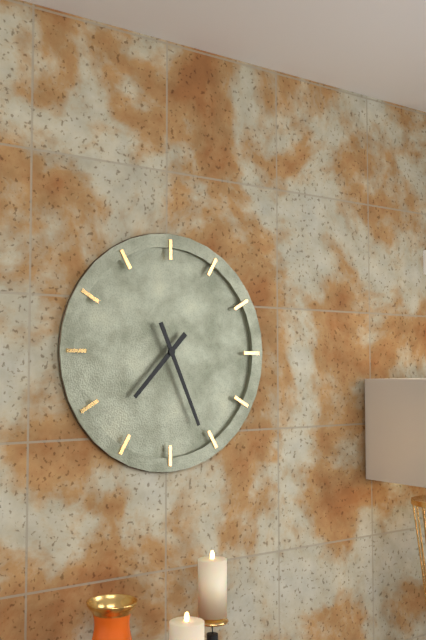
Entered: {"hour": 7, "minute": 26}
